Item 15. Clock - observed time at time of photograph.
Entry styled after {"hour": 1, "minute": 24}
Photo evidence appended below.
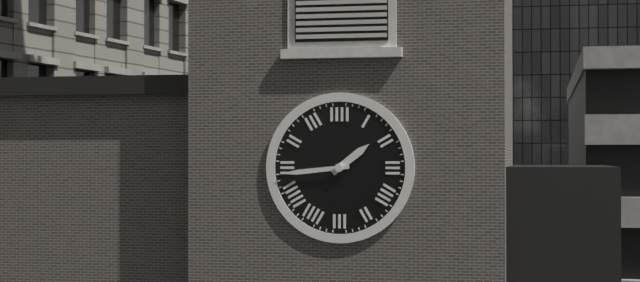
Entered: {"hour": 1, "minute": 44}
